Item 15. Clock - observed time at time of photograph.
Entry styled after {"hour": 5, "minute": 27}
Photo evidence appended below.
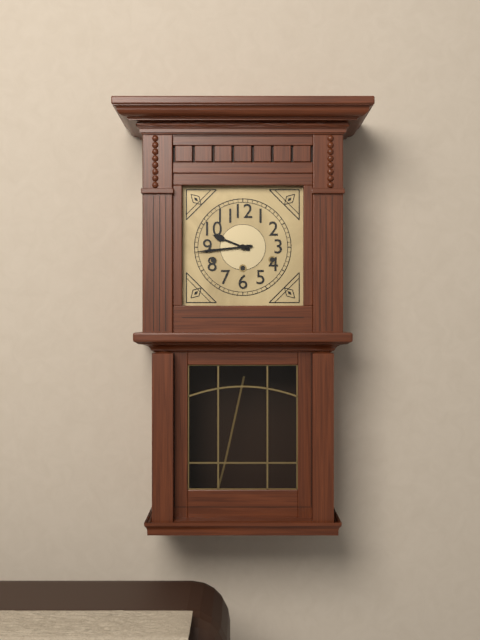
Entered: {"hour": 9, "minute": 44}
